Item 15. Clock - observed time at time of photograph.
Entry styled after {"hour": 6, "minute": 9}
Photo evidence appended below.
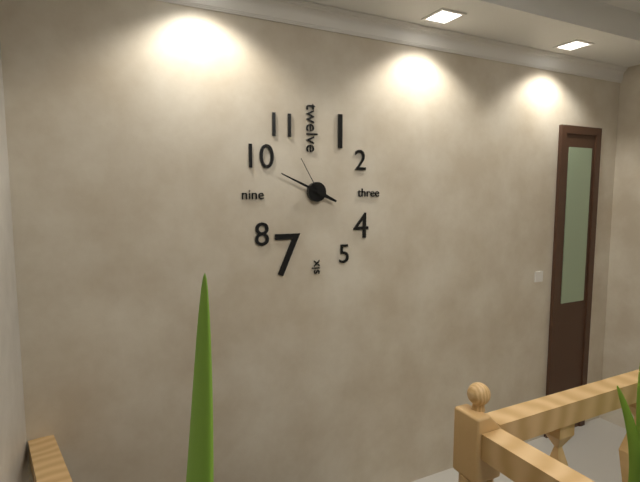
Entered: {"hour": 3, "minute": 49}
